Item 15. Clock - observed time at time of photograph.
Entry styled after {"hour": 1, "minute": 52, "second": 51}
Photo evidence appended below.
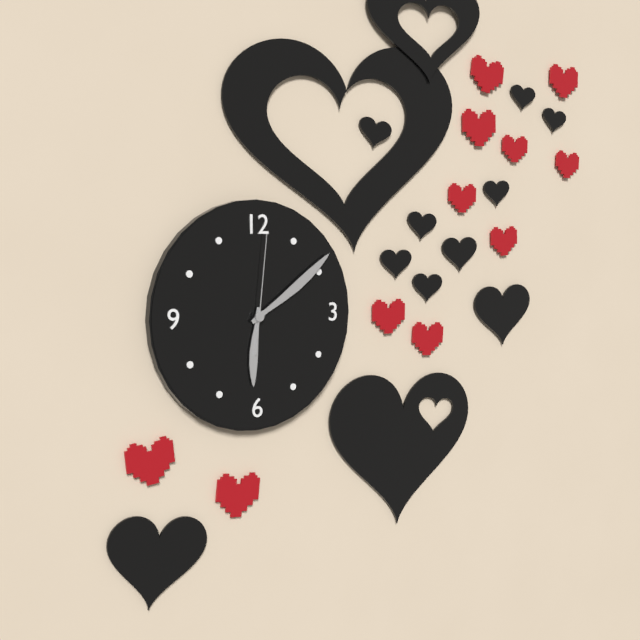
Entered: {"hour": 6, "minute": 9, "second": 1}
